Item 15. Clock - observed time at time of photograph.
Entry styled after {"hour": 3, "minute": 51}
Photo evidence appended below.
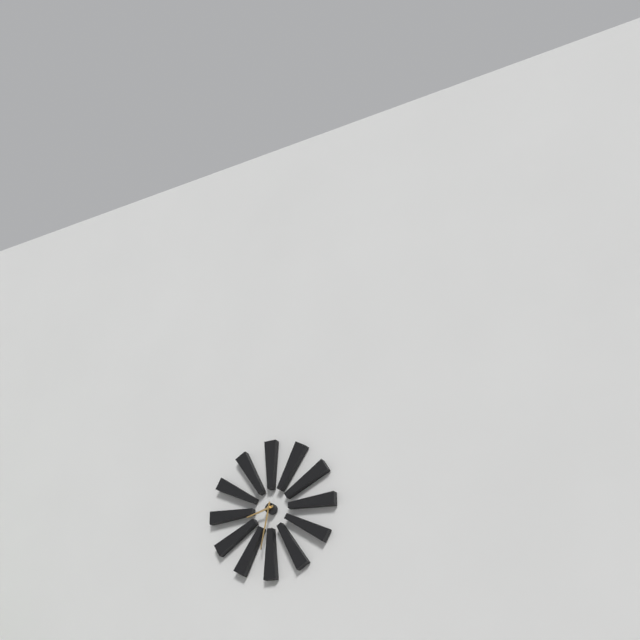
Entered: {"hour": 8, "minute": 32}
